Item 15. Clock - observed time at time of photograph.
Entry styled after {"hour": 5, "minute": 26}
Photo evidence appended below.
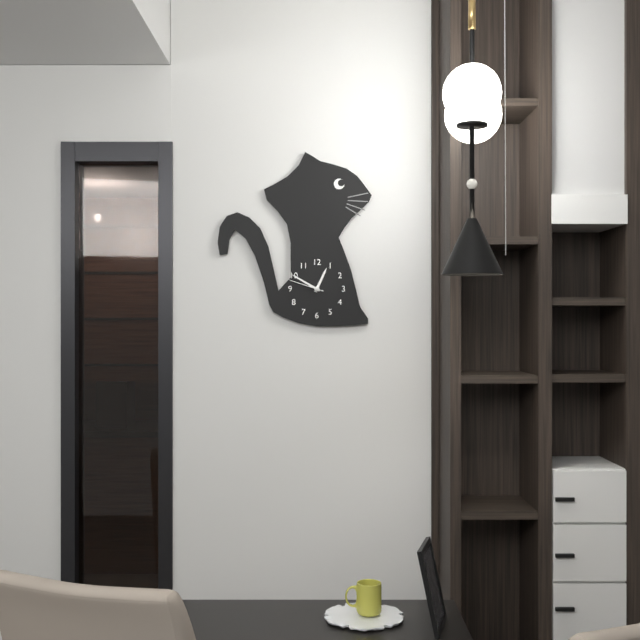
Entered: {"hour": 12, "minute": 50}
